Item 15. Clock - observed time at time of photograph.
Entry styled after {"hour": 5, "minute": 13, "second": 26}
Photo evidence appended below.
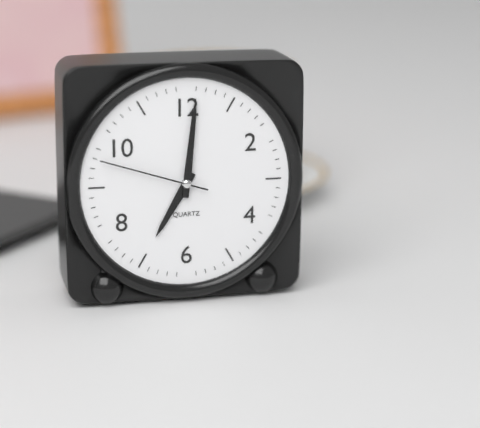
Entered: {"hour": 7, "minute": 1, "second": 48}
